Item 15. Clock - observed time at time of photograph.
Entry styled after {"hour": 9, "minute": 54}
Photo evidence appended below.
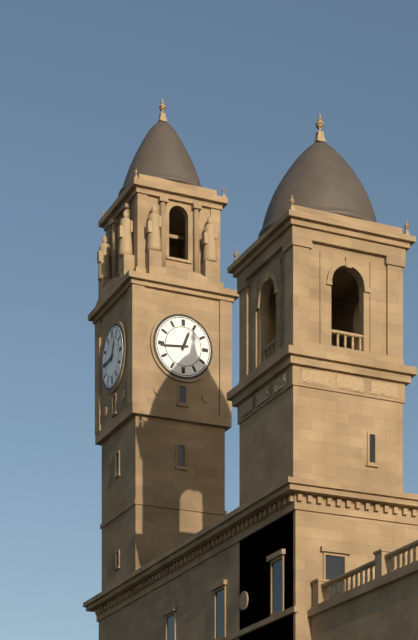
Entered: {"hour": 12, "minute": 44}
